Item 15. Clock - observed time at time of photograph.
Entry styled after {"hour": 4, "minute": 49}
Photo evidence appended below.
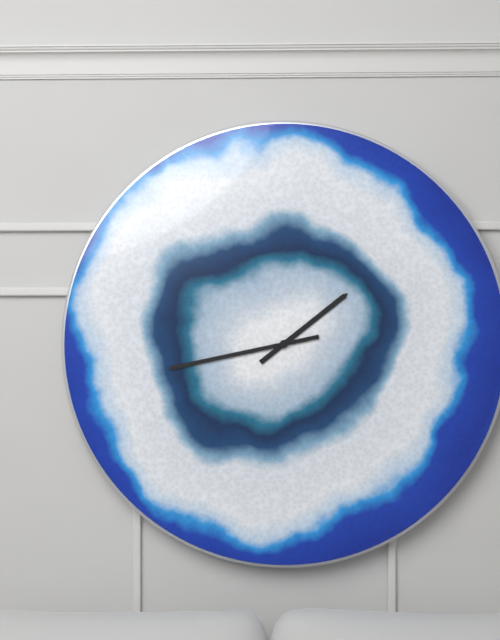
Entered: {"hour": 1, "minute": 43}
